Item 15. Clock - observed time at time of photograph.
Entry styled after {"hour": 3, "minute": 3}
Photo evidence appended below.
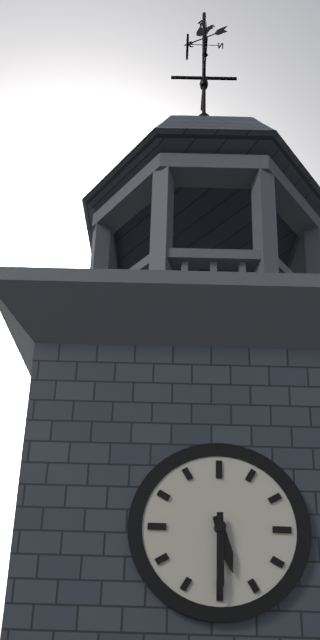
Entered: {"hour": 5, "minute": 30}
